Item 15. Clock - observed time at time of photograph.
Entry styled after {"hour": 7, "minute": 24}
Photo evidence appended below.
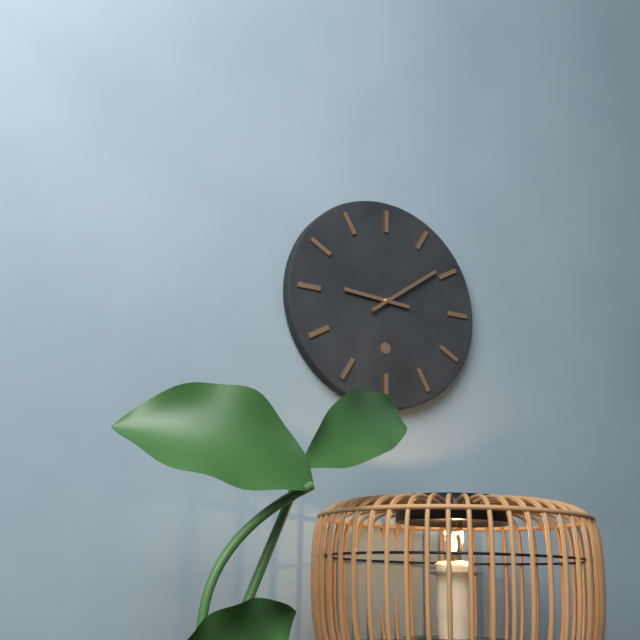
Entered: {"hour": 9, "minute": 9}
